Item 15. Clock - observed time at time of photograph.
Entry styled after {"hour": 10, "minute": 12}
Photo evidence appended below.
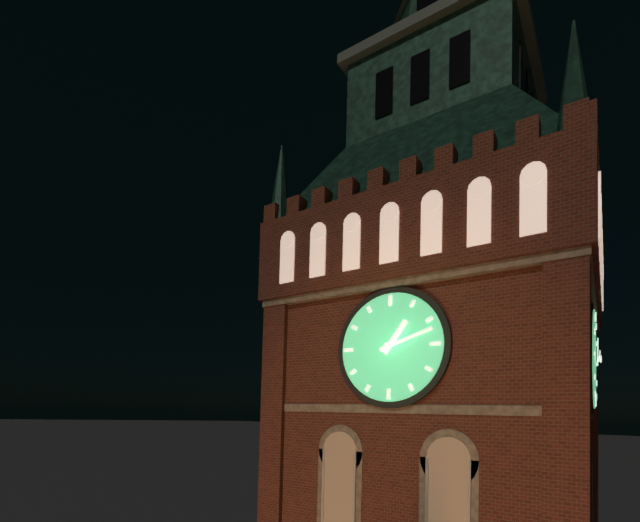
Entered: {"hour": 1, "minute": 12}
